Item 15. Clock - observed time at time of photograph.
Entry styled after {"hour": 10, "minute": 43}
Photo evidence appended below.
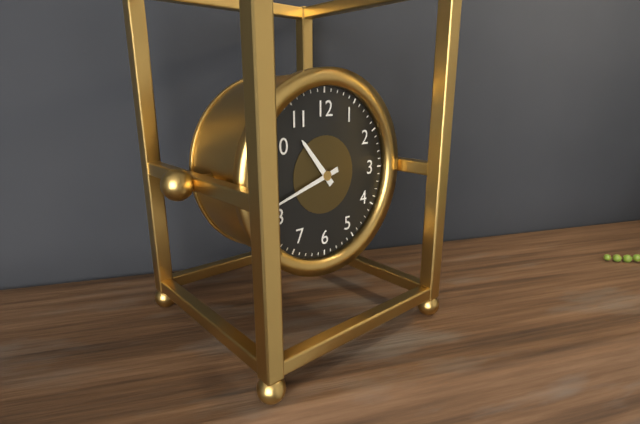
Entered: {"hour": 10, "minute": 42}
